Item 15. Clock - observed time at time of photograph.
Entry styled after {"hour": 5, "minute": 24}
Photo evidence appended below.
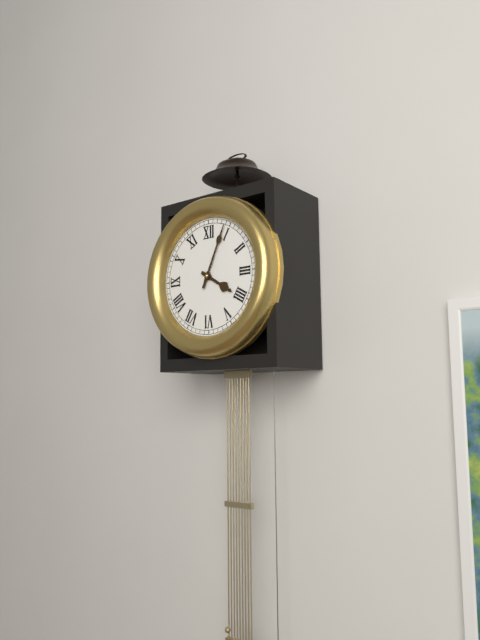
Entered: {"hour": 4, "minute": 4}
